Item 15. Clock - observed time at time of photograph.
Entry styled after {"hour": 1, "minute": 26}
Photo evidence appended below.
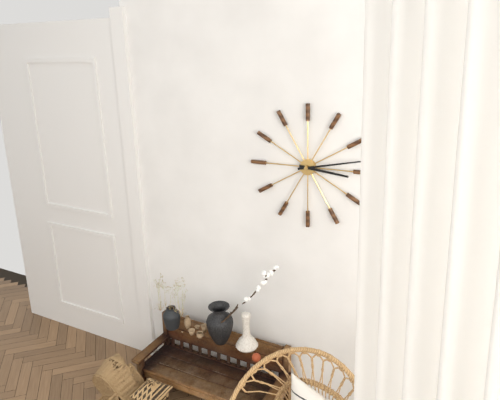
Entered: {"hour": 3, "minute": 13}
